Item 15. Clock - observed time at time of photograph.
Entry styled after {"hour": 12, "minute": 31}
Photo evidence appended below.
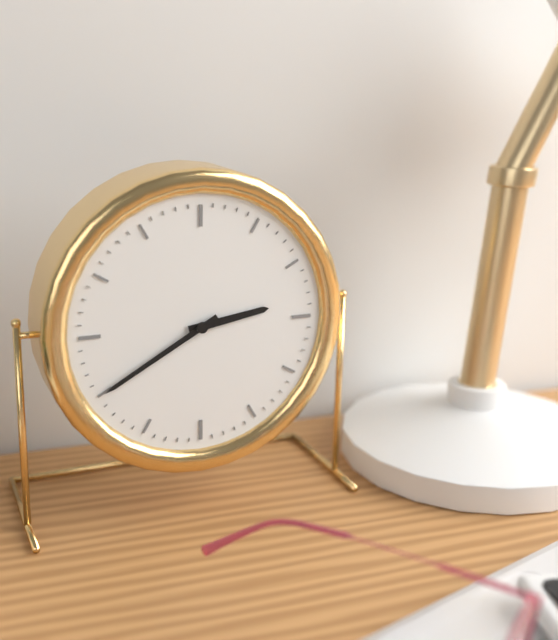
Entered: {"hour": 2, "minute": 40}
